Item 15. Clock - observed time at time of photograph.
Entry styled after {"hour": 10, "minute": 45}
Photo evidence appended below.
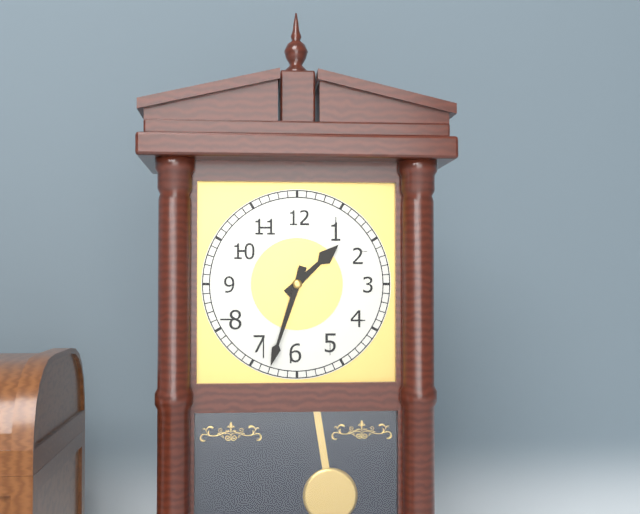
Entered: {"hour": 1, "minute": 33}
